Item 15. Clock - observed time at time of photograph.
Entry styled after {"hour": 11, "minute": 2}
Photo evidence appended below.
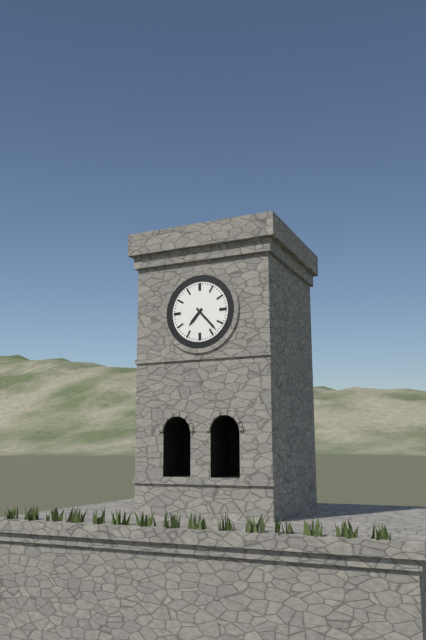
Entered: {"hour": 7, "minute": 23}
